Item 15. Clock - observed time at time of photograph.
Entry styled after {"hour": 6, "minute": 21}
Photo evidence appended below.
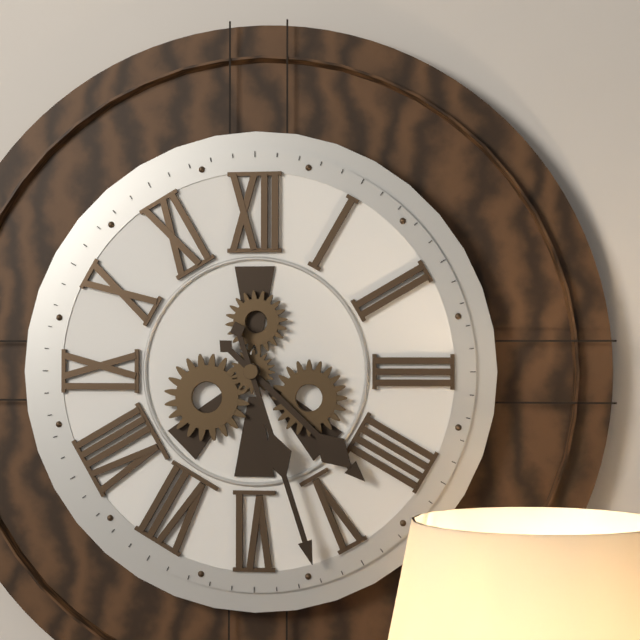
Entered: {"hour": 4, "minute": 27}
